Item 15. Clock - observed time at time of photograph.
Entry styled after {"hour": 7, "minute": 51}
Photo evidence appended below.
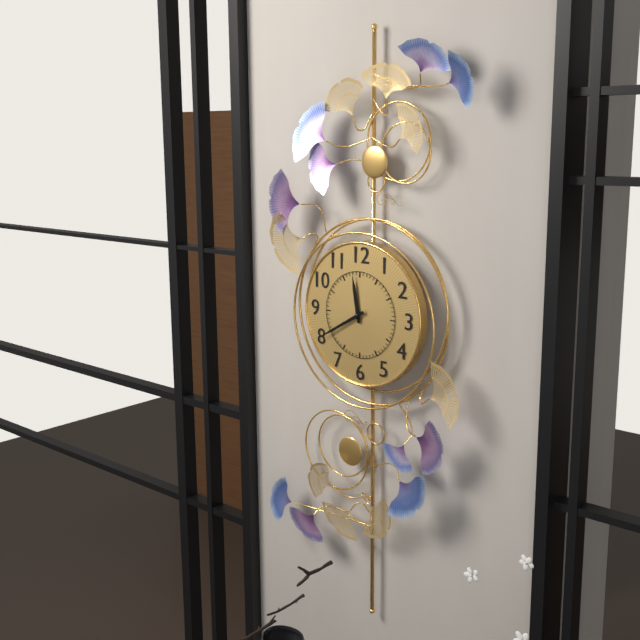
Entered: {"hour": 11, "minute": 40}
